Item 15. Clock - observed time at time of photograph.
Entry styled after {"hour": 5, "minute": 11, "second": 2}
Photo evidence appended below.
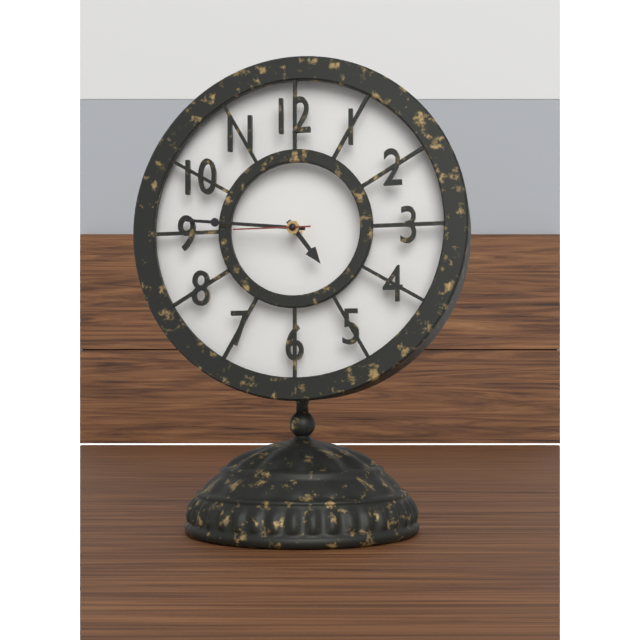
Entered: {"hour": 4, "minute": 46, "second": 45}
